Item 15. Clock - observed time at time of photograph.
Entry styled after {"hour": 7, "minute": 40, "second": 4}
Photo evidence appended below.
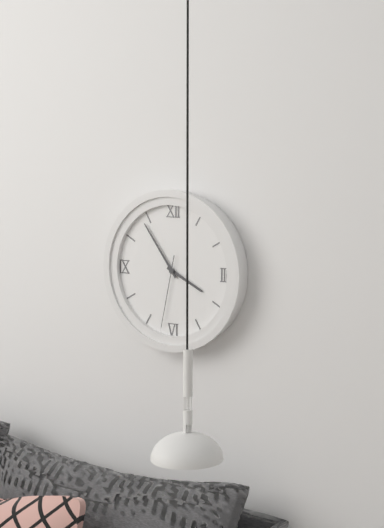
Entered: {"hour": 3, "minute": 54, "second": 32}
